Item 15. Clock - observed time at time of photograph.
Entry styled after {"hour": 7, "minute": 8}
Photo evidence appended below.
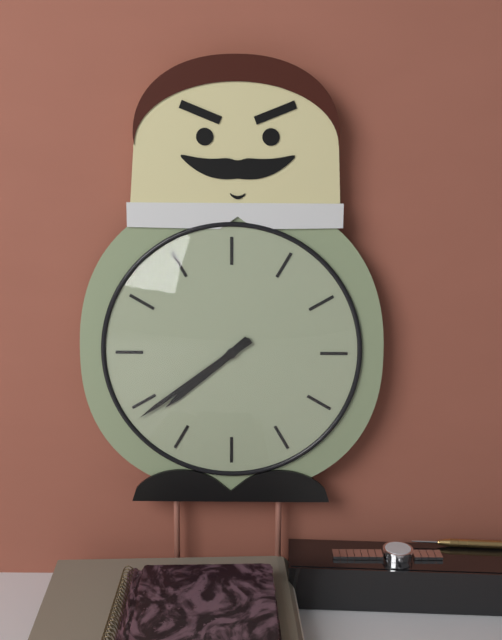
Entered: {"hour": 7, "minute": 39}
